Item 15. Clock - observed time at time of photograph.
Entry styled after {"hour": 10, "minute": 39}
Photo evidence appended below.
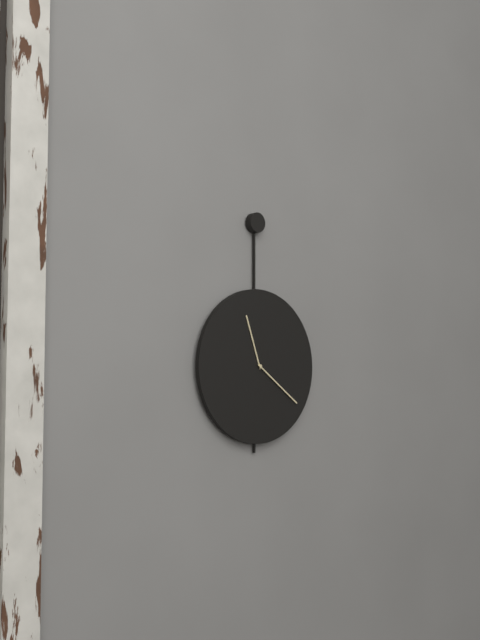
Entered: {"hour": 11, "minute": 21}
